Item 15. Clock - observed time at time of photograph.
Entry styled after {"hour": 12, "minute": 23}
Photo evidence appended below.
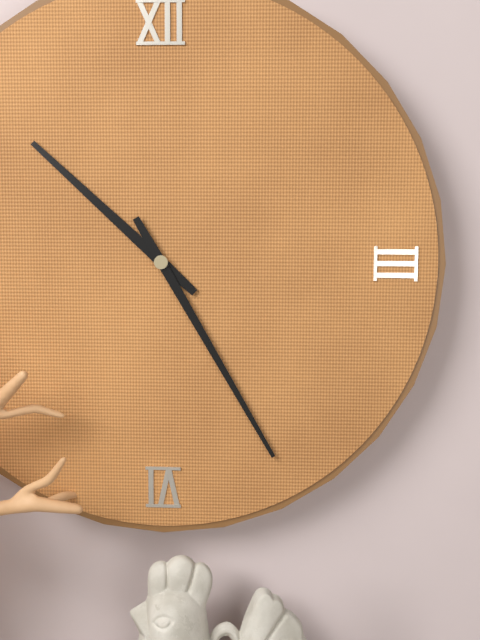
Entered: {"hour": 10, "minute": 25}
